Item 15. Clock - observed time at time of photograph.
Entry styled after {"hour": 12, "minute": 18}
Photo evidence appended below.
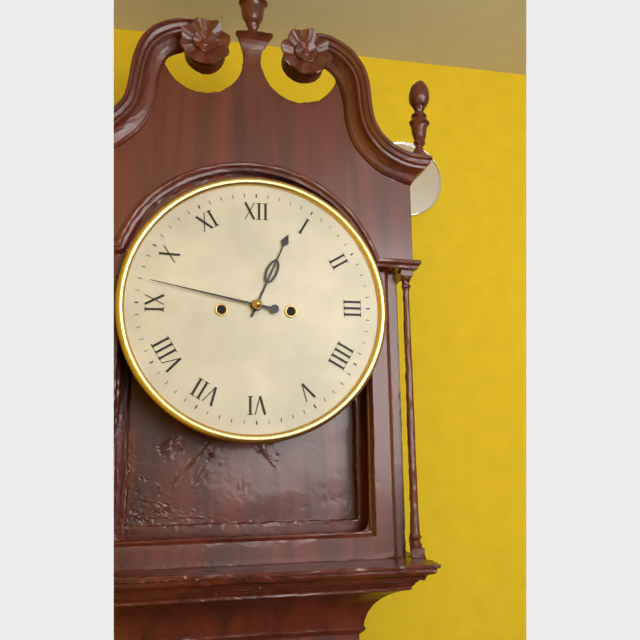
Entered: {"hour": 12, "minute": 47}
